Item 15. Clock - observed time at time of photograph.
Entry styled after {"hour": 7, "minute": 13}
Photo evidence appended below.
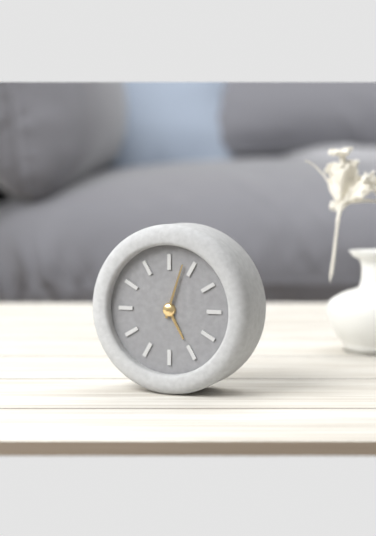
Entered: {"hour": 5, "minute": 3}
